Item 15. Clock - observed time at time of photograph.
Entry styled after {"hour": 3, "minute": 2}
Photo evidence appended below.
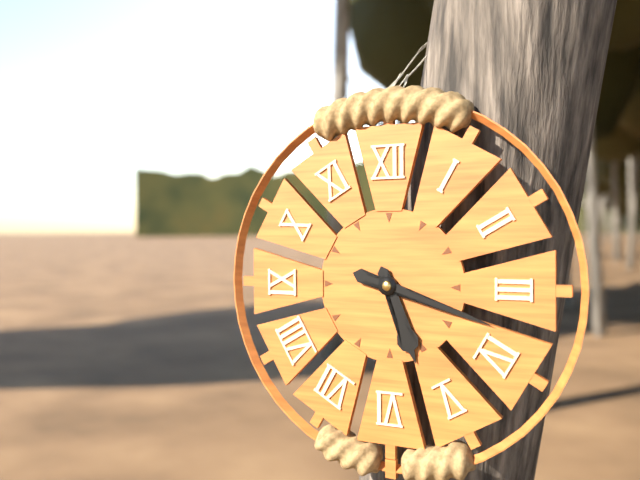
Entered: {"hour": 5, "minute": 18}
